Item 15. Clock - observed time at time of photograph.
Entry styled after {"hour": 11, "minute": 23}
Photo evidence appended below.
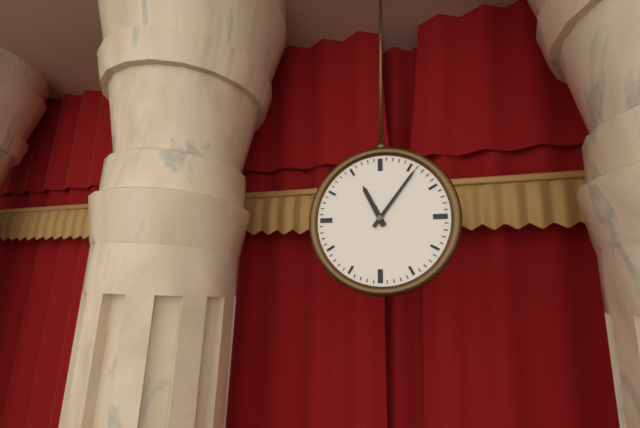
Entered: {"hour": 11, "minute": 6}
